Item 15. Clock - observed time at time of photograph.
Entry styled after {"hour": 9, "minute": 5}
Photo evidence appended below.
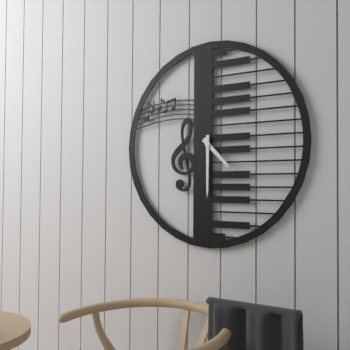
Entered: {"hour": 4, "minute": 30}
